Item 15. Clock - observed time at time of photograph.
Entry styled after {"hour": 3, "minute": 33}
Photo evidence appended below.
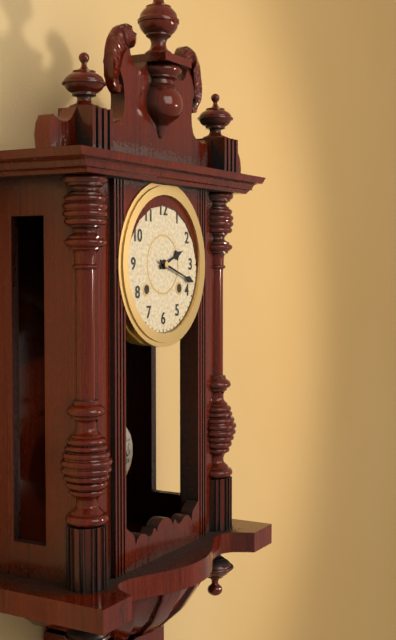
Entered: {"hour": 2, "minute": 18}
